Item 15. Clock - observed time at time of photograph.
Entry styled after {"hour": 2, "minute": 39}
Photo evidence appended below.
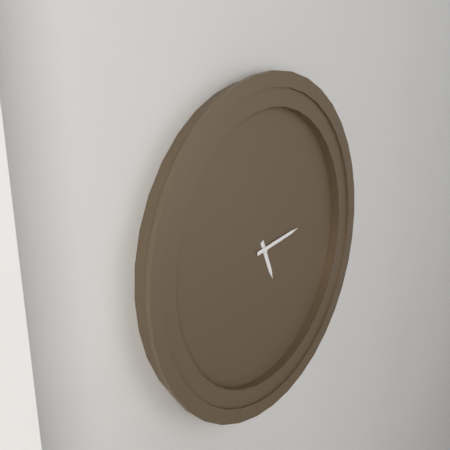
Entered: {"hour": 5, "minute": 14}
